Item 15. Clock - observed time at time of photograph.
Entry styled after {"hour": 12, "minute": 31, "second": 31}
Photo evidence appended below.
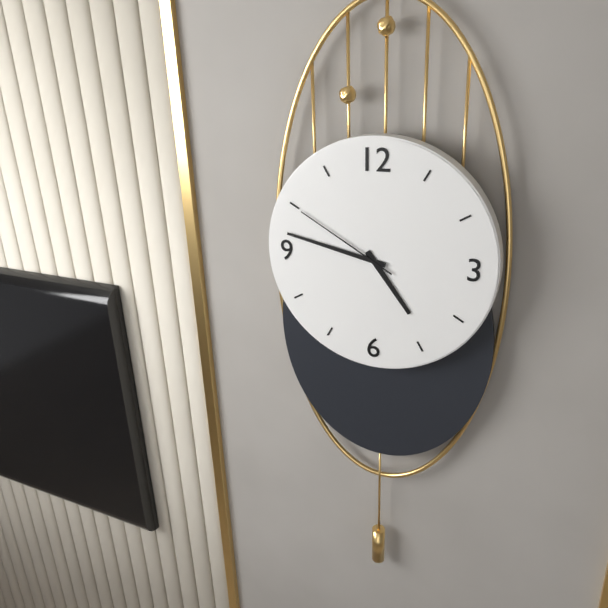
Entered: {"hour": 4, "minute": 47, "second": 50}
